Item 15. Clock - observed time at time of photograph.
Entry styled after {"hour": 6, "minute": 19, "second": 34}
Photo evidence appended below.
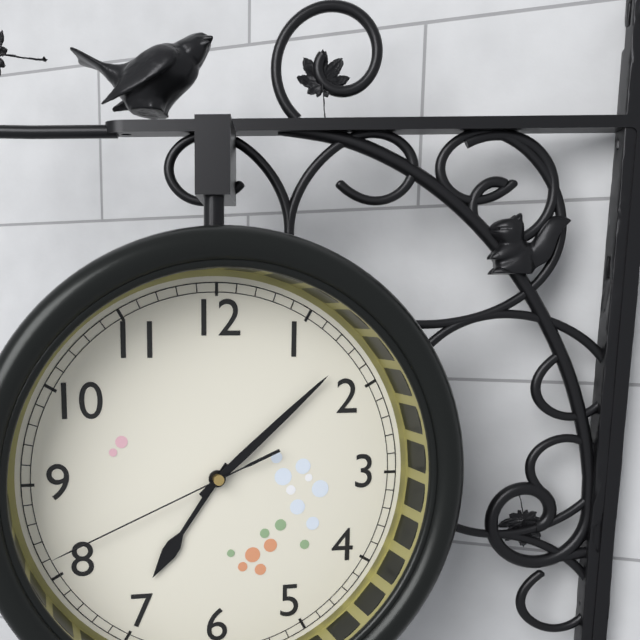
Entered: {"hour": 7, "minute": 8, "second": 41}
